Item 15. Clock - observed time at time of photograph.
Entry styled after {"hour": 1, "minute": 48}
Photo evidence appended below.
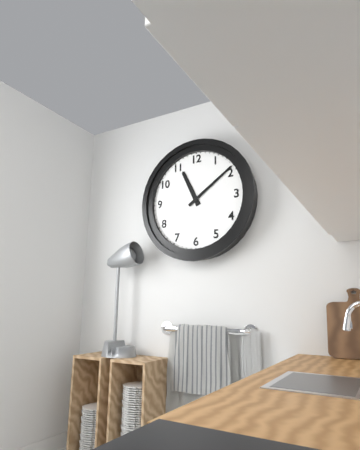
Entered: {"hour": 11, "minute": 9}
